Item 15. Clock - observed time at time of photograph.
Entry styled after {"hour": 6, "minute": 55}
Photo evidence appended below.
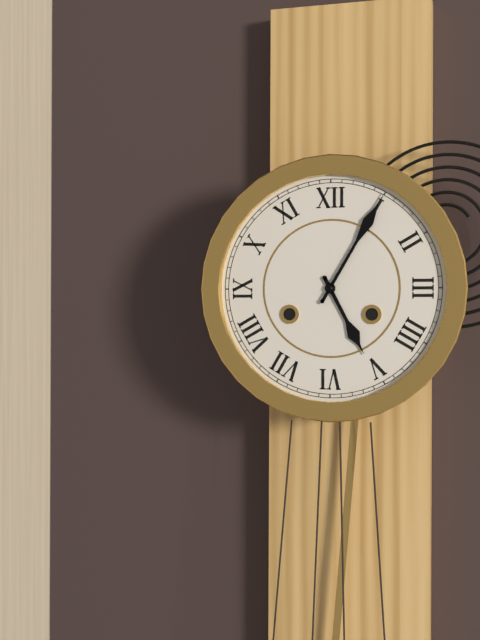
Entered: {"hour": 5, "minute": 5}
